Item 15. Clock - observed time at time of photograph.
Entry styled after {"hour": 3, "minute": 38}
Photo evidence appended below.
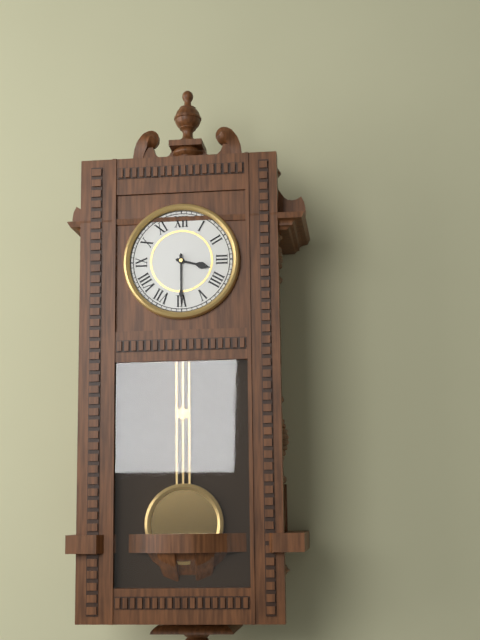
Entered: {"hour": 3, "minute": 30}
